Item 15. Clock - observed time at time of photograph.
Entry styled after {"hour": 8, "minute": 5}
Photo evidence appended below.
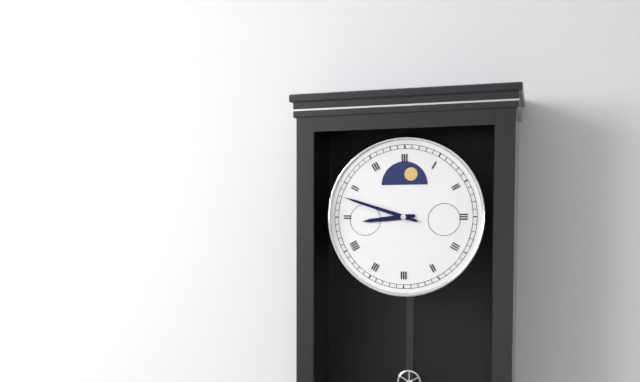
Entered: {"hour": 8, "minute": 48}
